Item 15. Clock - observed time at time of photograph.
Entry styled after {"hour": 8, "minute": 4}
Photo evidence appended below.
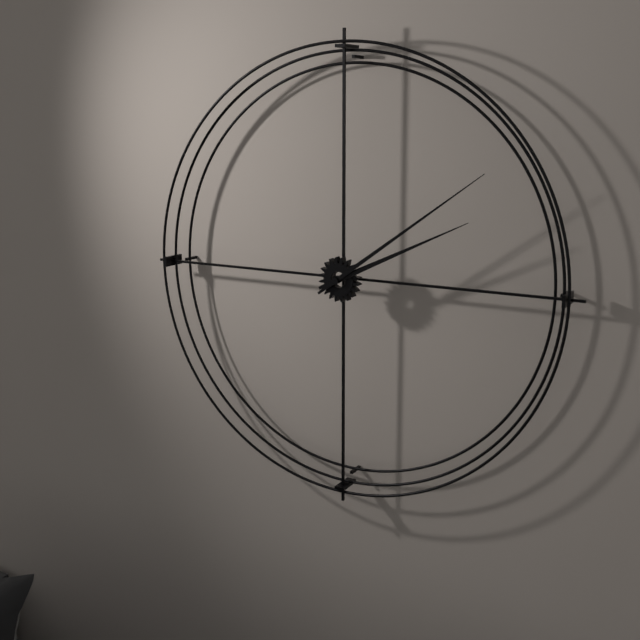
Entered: {"hour": 2, "minute": 9}
